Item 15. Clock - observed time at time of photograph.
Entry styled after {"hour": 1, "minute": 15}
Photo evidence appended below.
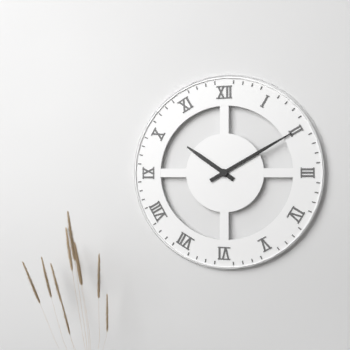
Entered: {"hour": 10, "minute": 10}
